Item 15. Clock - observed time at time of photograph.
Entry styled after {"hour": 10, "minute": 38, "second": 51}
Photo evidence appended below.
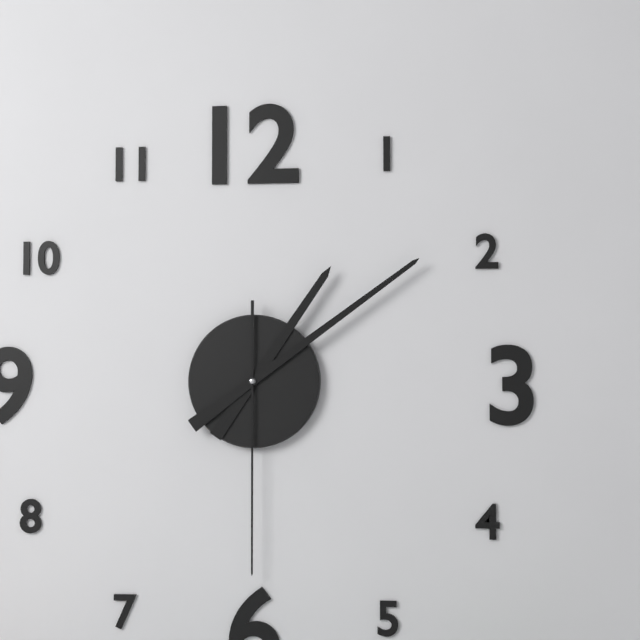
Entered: {"hour": 1, "minute": 9, "second": 30}
